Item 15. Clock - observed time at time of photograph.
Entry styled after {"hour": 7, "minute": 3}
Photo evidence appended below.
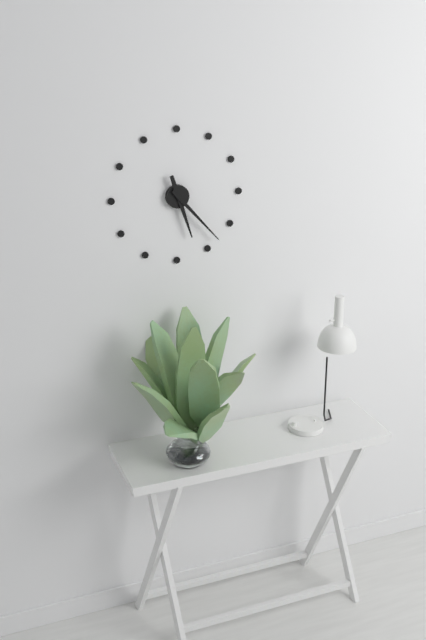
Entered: {"hour": 5, "minute": 23}
